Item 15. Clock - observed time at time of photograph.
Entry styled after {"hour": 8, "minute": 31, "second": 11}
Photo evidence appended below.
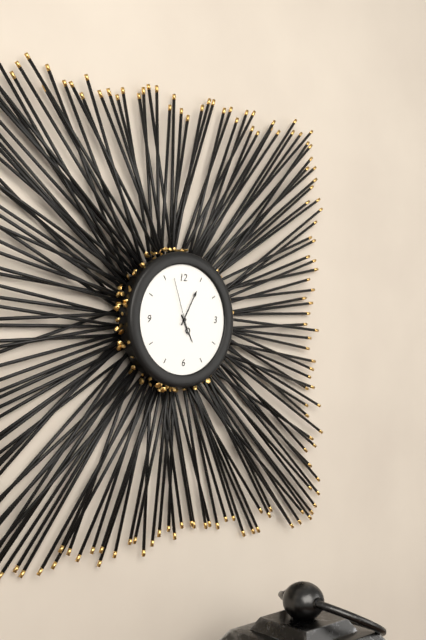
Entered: {"hour": 5, "minute": 5, "second": 57}
